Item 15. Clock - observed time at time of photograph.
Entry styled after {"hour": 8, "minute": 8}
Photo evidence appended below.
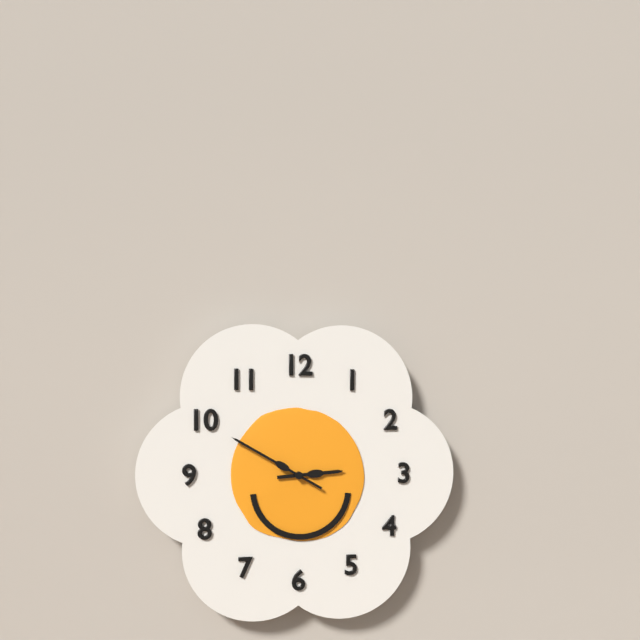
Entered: {"hour": 2, "minute": 50}
